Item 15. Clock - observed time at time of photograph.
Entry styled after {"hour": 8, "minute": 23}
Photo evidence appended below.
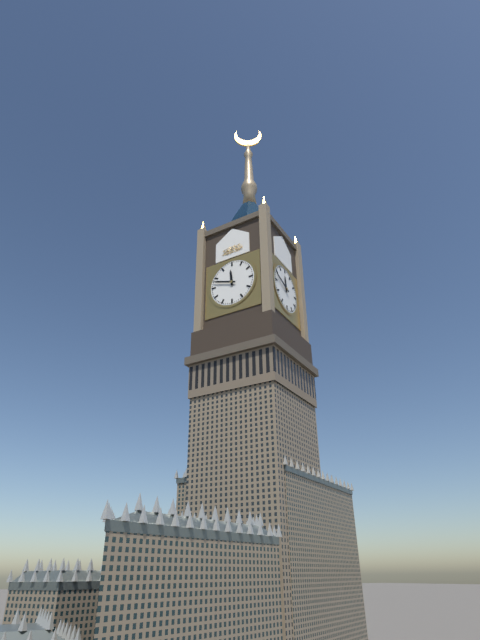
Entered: {"hour": 11, "minute": 48}
